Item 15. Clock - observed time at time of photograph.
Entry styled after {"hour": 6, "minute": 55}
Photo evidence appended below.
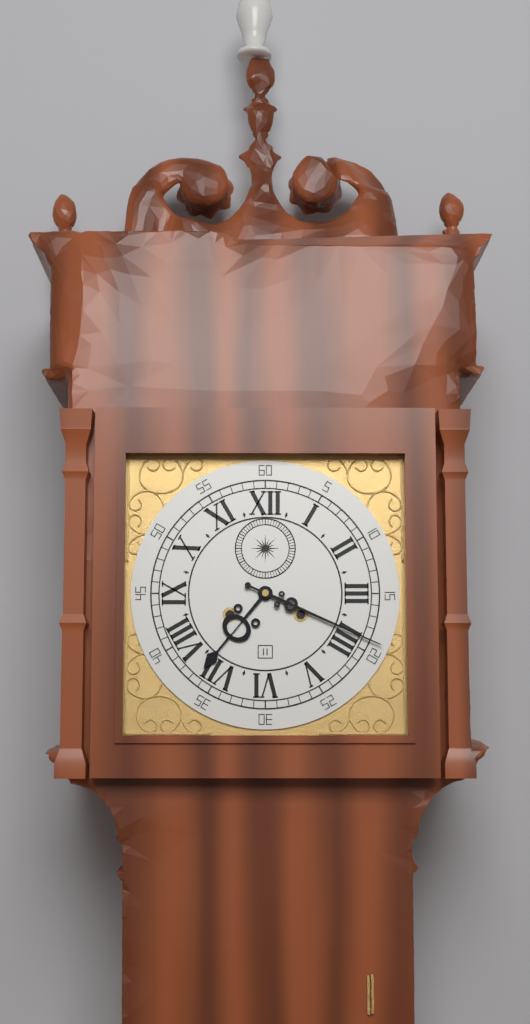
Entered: {"hour": 7, "minute": 19}
